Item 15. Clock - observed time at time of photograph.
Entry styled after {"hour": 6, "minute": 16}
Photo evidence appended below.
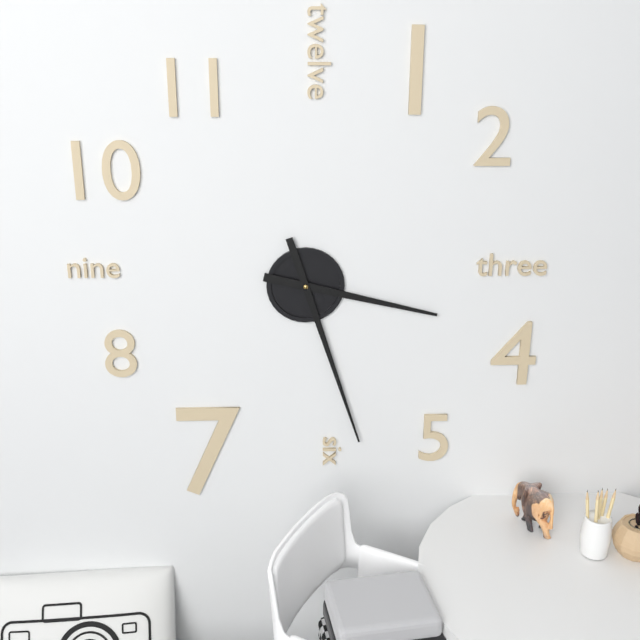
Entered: {"hour": 3, "minute": 27}
